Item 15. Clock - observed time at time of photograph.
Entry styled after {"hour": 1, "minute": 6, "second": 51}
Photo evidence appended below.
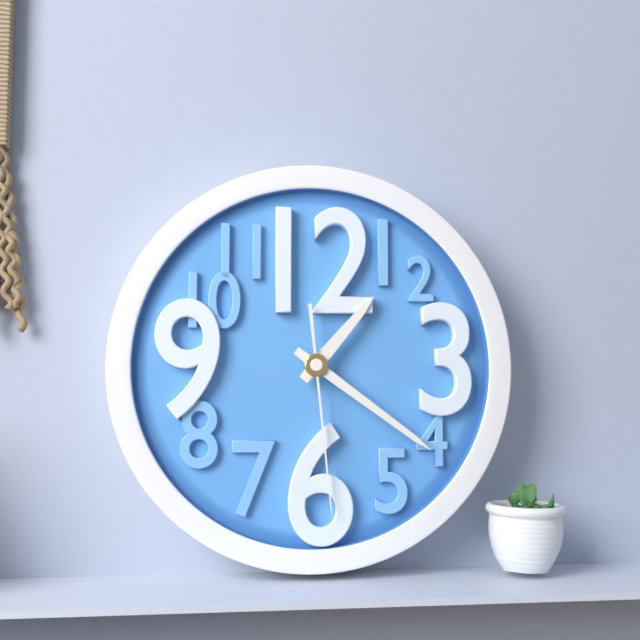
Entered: {"hour": 1, "minute": 21, "second": 29}
